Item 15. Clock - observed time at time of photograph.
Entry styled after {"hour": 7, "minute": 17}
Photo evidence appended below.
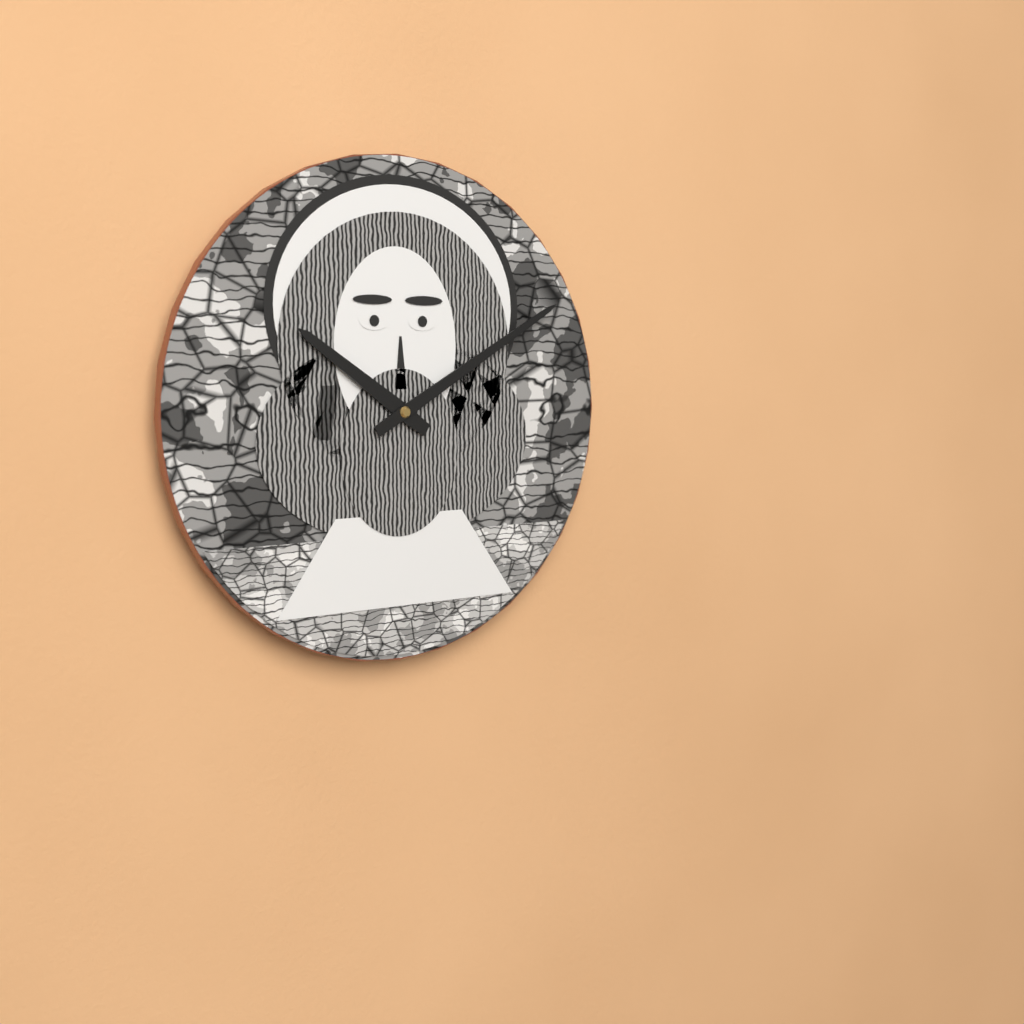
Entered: {"hour": 10, "minute": 10}
